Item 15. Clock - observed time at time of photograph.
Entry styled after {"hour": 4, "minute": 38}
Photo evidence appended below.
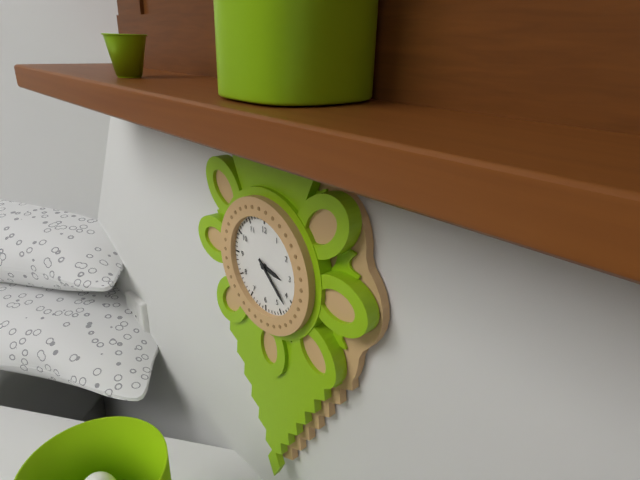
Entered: {"hour": 3, "minute": 22}
